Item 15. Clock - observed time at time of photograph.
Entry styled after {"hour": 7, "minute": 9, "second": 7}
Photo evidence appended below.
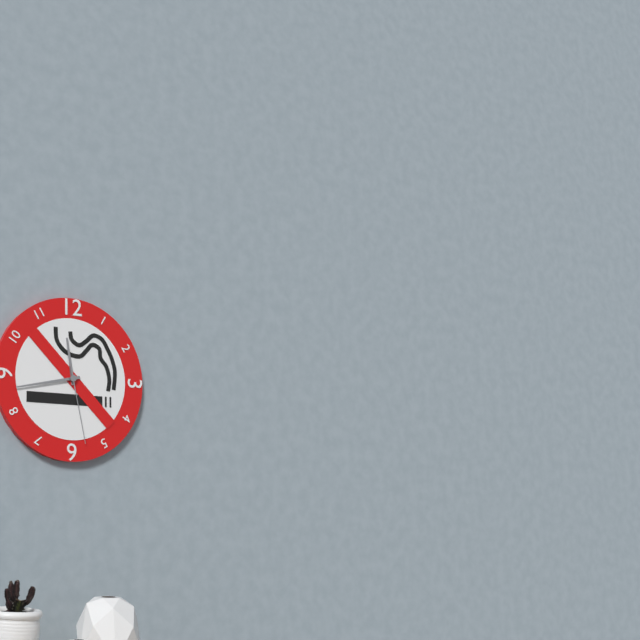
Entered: {"hour": 11, "minute": 43, "second": 28}
